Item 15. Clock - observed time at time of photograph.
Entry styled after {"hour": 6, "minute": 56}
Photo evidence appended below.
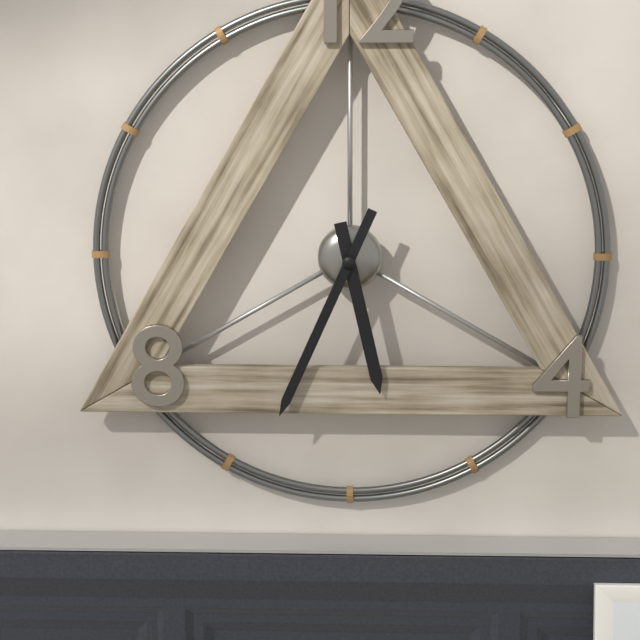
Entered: {"hour": 5, "minute": 34}
